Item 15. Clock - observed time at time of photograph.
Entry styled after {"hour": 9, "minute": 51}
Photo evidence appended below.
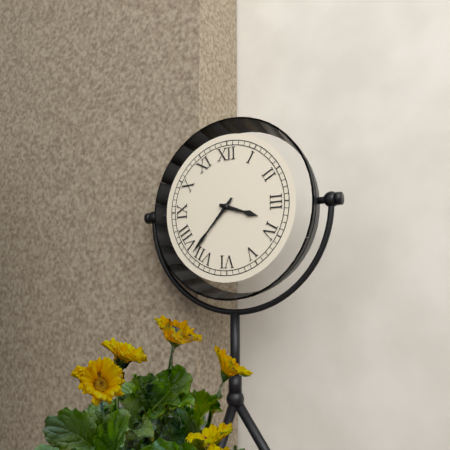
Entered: {"hour": 3, "minute": 37}
